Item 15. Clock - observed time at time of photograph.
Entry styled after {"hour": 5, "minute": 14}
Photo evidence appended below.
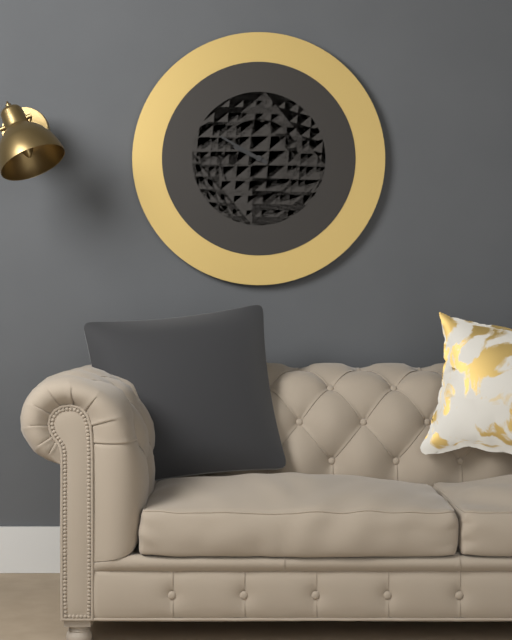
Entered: {"hour": 9, "minute": 50}
